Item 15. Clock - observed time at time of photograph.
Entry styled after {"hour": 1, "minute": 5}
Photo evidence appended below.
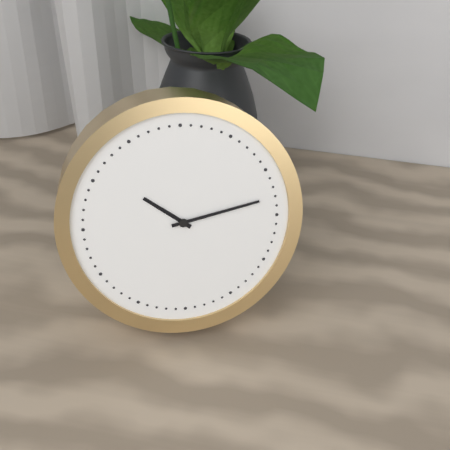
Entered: {"hour": 10, "minute": 13}
